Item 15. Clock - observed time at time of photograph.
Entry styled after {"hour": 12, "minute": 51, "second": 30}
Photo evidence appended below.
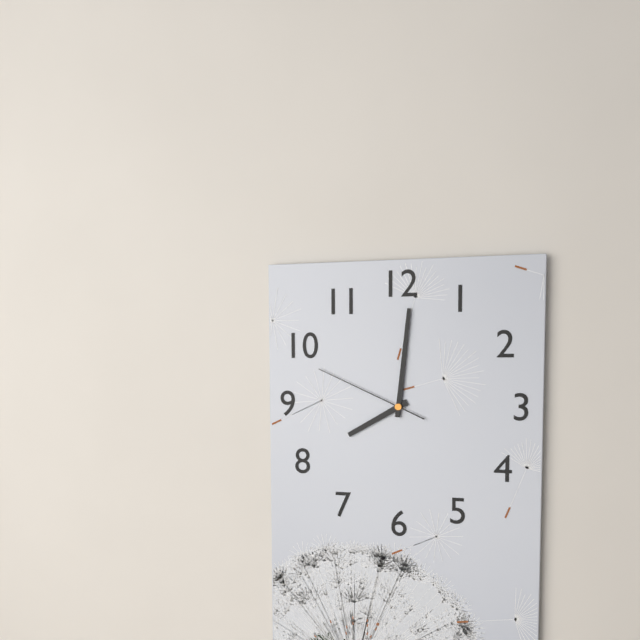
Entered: {"hour": 8, "minute": 1, "second": 49}
